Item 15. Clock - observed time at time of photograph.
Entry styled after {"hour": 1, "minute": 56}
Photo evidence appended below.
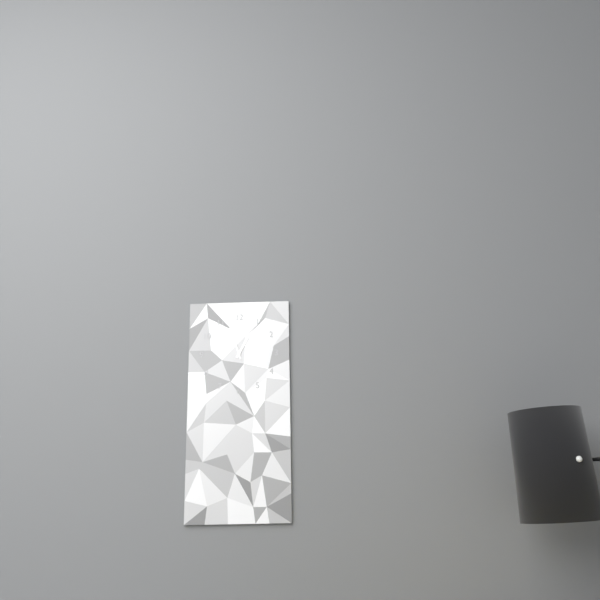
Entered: {"hour": 12, "minute": 57}
